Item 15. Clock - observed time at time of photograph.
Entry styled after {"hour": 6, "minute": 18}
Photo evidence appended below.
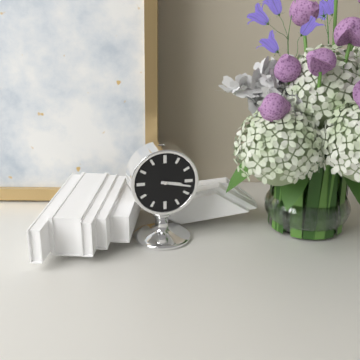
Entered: {"hour": 3, "minute": 17}
